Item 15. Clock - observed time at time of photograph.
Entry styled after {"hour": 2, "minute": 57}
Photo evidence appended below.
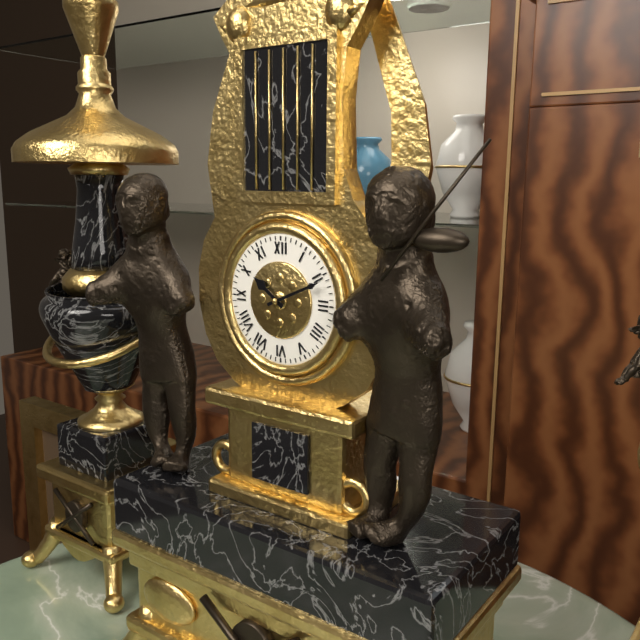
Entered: {"hour": 10, "minute": 11}
